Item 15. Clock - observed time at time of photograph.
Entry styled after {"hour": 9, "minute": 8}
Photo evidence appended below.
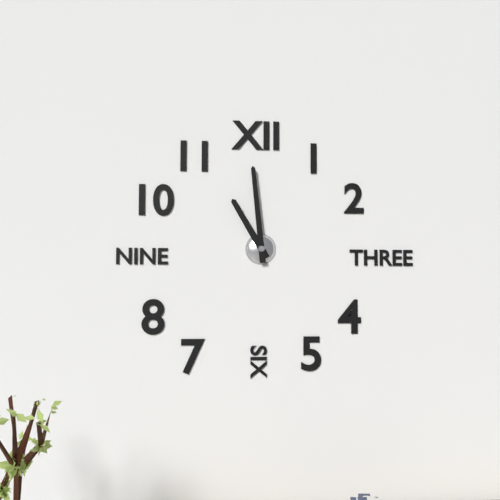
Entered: {"hour": 10, "minute": 59}
